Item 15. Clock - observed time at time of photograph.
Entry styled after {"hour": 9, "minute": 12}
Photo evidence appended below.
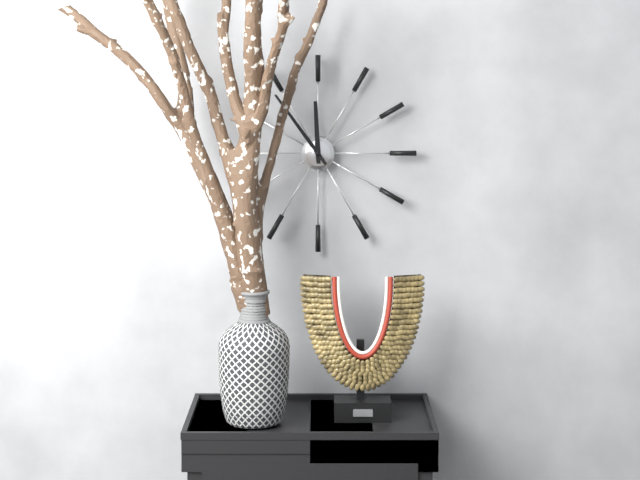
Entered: {"hour": 11, "minute": 54}
